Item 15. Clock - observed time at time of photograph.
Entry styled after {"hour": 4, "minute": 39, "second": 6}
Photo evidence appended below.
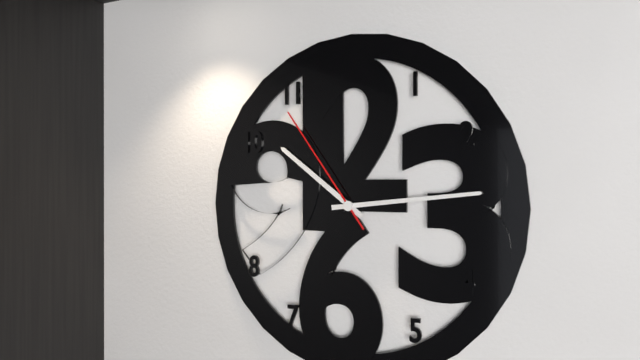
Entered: {"hour": 10, "minute": 14, "second": 54}
